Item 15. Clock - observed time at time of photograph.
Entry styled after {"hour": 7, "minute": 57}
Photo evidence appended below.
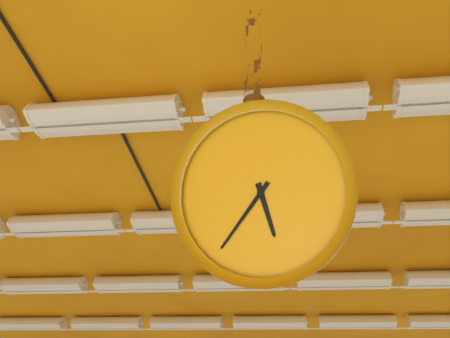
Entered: {"hour": 5, "minute": 37}
